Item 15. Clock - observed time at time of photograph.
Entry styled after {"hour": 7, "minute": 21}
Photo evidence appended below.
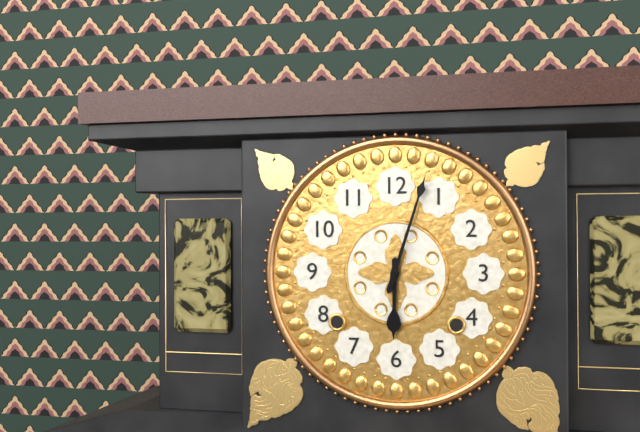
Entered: {"hour": 6, "minute": 3}
